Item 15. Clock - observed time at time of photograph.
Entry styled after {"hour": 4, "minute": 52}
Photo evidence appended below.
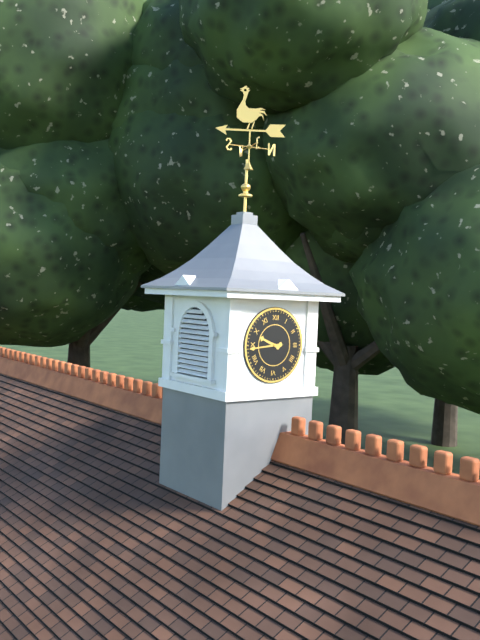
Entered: {"hour": 9, "minute": 44}
